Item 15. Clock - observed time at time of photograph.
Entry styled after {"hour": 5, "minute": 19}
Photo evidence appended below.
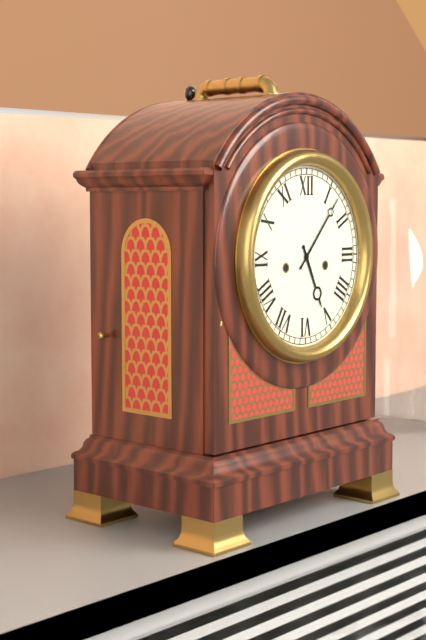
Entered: {"hour": 5, "minute": 7}
